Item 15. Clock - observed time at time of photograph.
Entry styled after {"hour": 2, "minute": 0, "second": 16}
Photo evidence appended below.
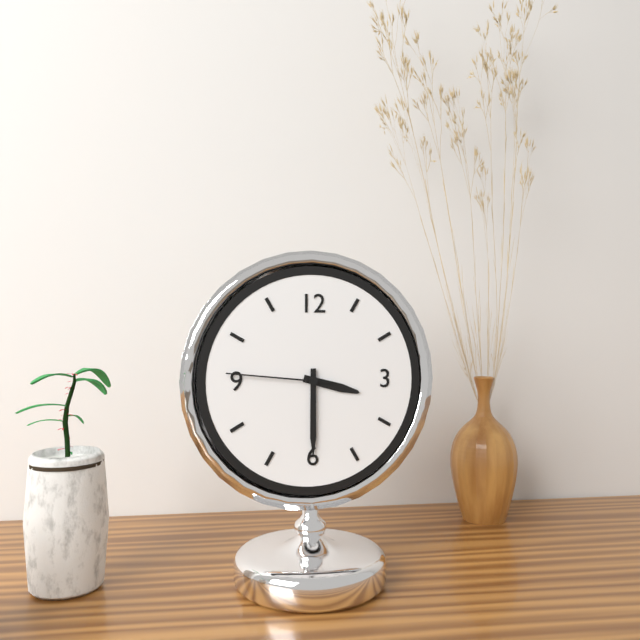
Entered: {"hour": 3, "minute": 30, "second": 46}
